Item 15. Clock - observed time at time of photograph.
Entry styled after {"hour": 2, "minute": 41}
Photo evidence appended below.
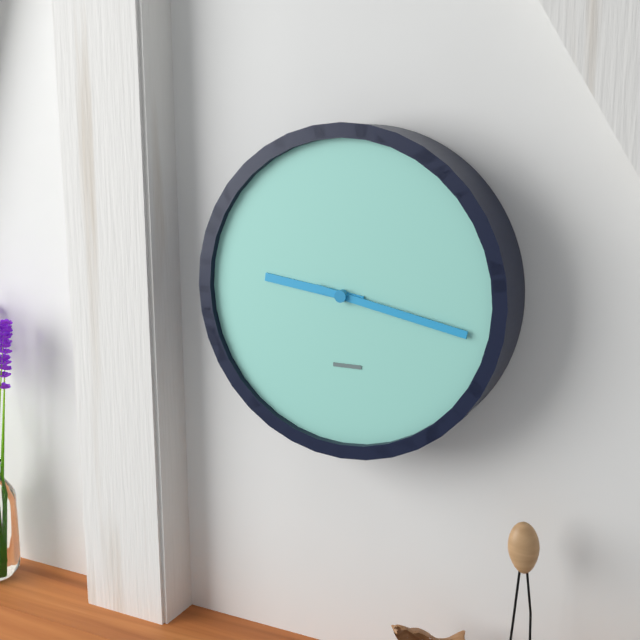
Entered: {"hour": 9, "minute": 17}
